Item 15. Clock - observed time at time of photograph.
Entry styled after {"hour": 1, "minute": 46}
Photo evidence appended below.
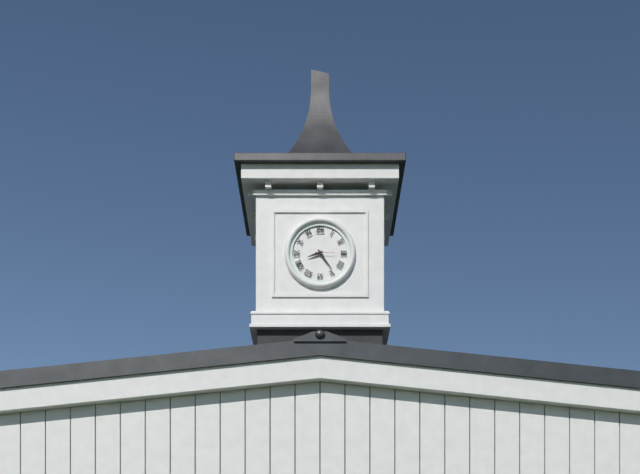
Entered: {"hour": 8, "minute": 24}
